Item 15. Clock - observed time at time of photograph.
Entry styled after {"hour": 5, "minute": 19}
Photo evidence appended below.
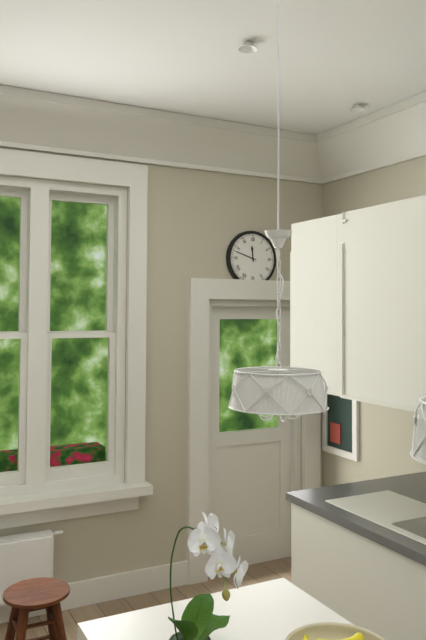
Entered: {"hour": 11, "minute": 48}
